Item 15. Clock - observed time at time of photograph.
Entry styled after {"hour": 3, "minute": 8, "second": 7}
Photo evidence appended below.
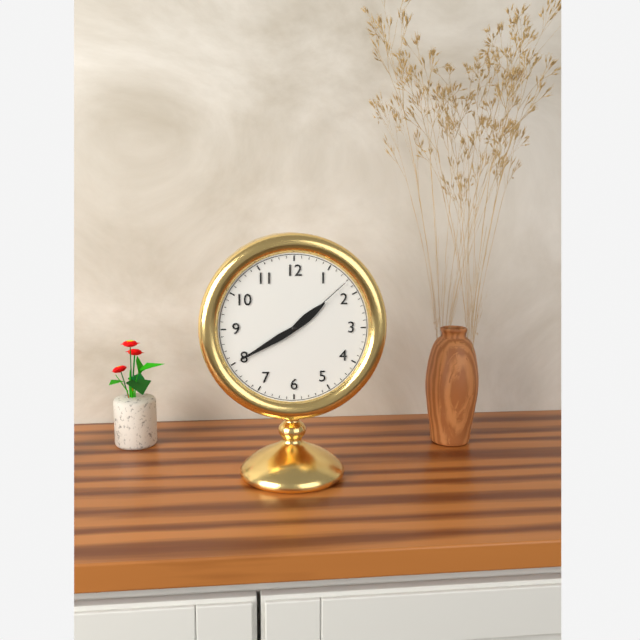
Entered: {"hour": 1, "minute": 40, "second": 8}
